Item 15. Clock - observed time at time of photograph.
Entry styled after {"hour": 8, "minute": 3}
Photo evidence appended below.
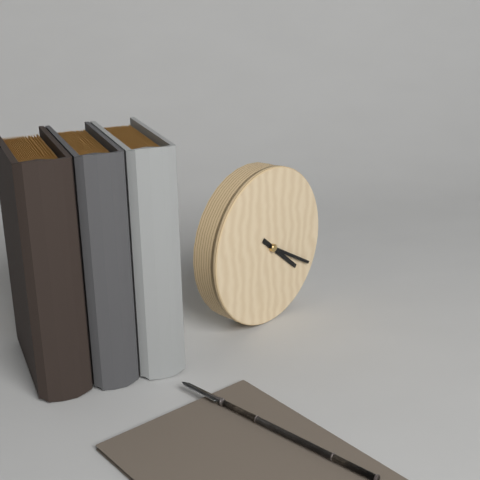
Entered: {"hour": 4, "minute": 20}
